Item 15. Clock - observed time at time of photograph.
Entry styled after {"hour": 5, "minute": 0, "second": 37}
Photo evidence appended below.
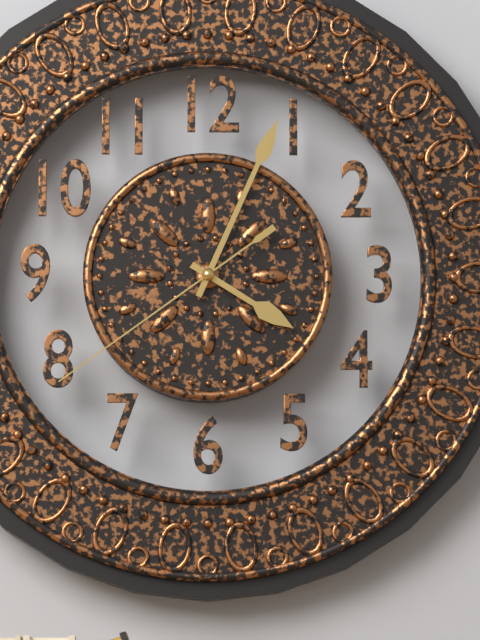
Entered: {"hour": 4, "minute": 4, "second": 39}
